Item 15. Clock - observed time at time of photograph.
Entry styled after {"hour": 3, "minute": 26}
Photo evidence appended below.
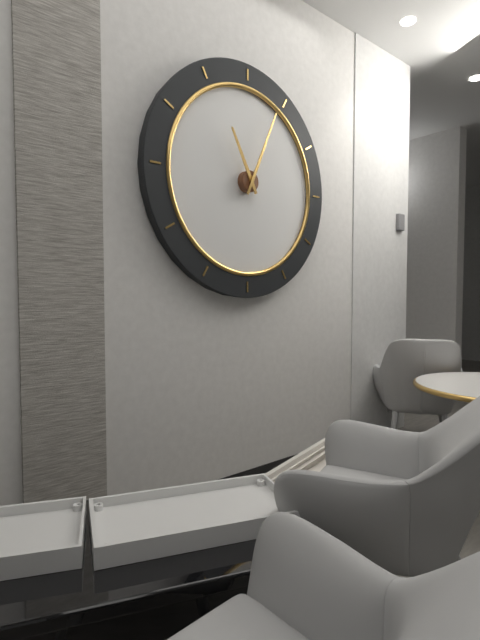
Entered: {"hour": 11, "minute": 4}
